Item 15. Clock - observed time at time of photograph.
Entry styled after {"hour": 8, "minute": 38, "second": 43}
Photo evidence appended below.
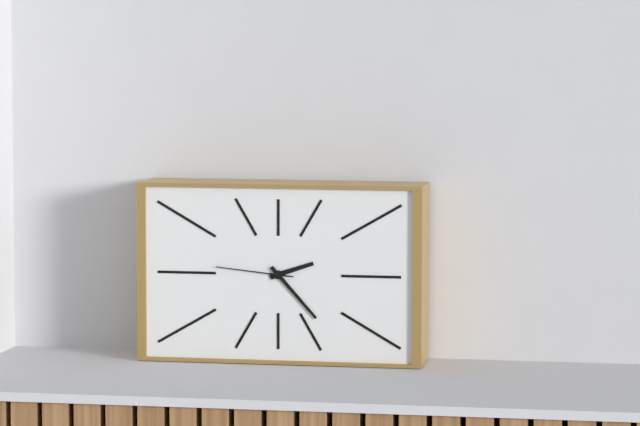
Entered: {"hour": 2, "minute": 23, "second": 46}
